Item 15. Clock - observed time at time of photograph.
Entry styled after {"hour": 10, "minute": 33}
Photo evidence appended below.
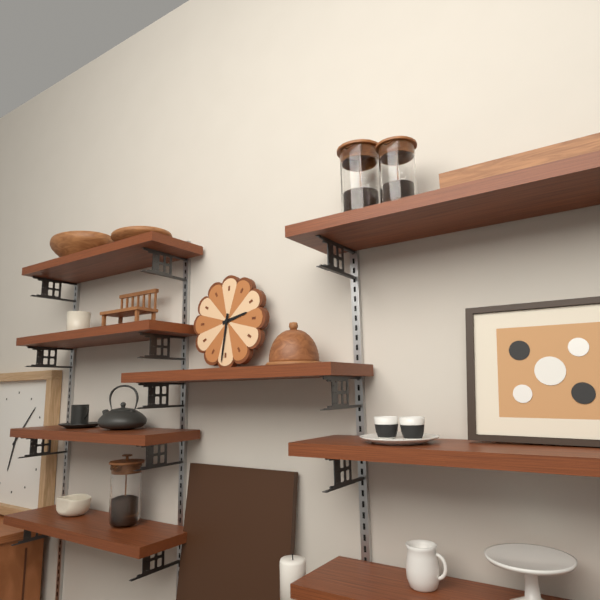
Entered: {"hour": 2, "minute": 31}
